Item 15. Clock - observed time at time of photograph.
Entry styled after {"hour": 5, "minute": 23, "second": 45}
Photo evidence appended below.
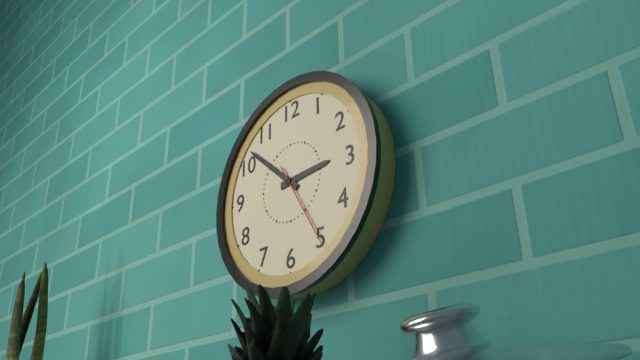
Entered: {"hour": 2, "minute": 52, "second": 25}
